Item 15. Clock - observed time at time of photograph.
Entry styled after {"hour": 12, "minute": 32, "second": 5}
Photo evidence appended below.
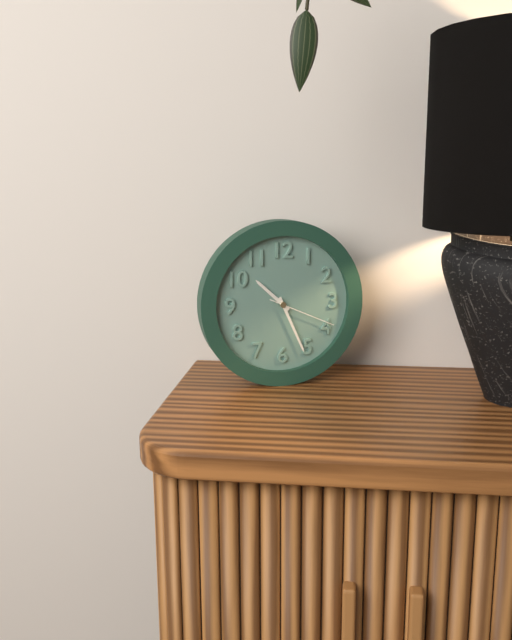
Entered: {"hour": 10, "minute": 26, "second": 19}
